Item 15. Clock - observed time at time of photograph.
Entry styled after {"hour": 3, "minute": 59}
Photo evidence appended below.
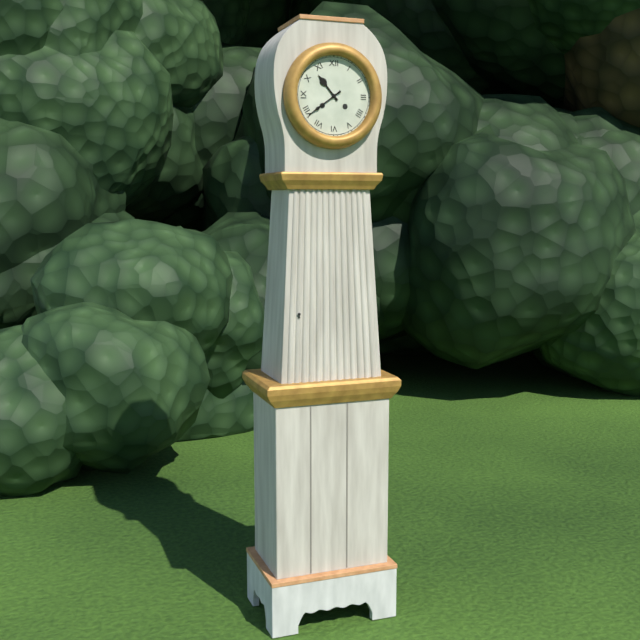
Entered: {"hour": 10, "minute": 39}
